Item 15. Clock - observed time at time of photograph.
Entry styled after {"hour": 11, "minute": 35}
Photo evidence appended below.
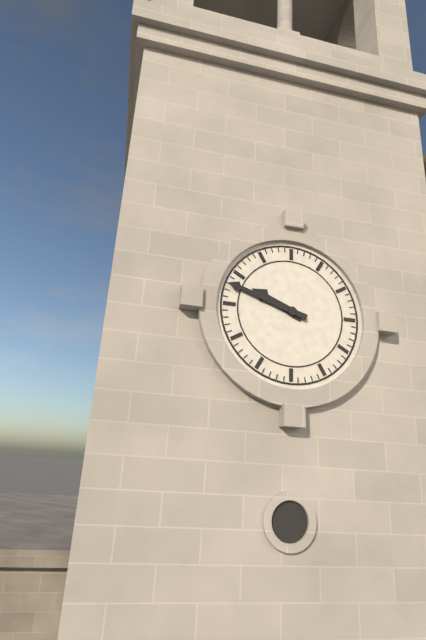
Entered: {"hour": 9, "minute": 48}
